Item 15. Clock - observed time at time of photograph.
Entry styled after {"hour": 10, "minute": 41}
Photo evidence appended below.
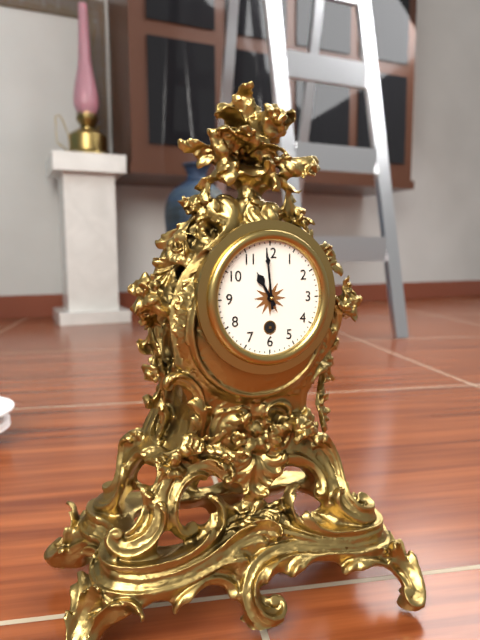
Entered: {"hour": 10, "minute": 59}
